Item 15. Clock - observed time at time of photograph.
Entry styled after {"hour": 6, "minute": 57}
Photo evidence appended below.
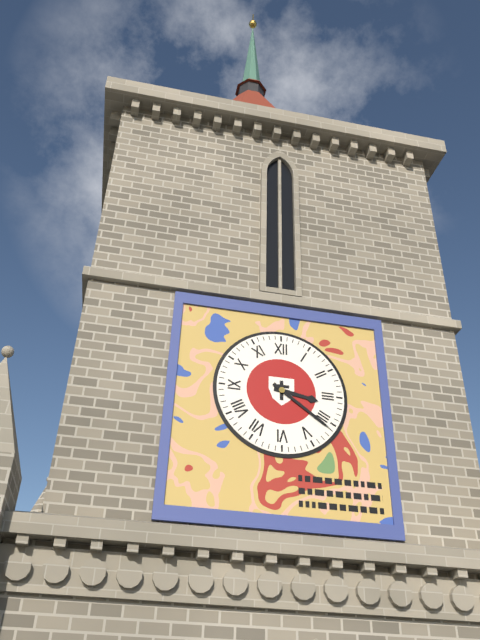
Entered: {"hour": 3, "minute": 21}
